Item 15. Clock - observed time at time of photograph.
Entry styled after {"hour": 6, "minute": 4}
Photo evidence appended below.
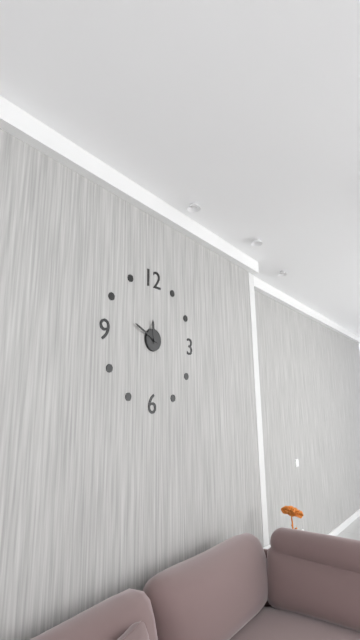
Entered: {"hour": 11, "minute": 49}
